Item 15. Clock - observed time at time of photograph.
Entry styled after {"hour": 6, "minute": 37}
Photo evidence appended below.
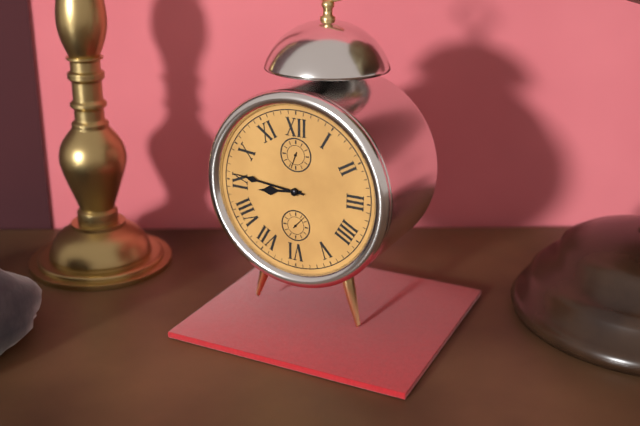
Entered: {"hour": 8, "minute": 46}
